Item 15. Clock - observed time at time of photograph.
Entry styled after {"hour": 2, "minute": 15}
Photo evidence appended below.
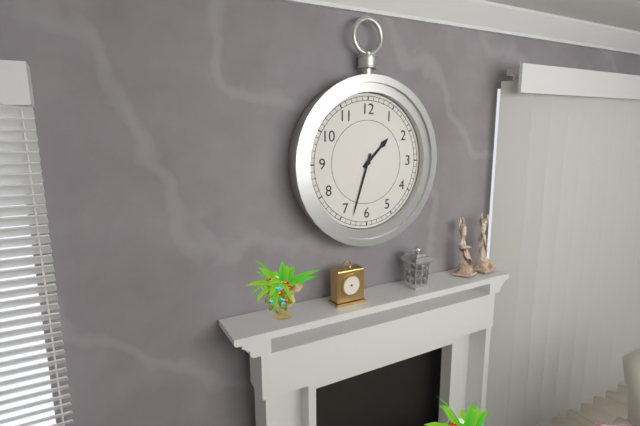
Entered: {"hour": 1, "minute": 33}
